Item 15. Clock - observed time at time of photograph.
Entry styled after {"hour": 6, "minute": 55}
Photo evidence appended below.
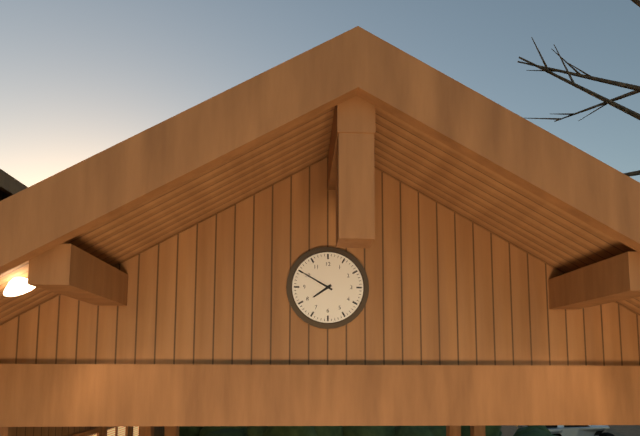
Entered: {"hour": 7, "minute": 50}
